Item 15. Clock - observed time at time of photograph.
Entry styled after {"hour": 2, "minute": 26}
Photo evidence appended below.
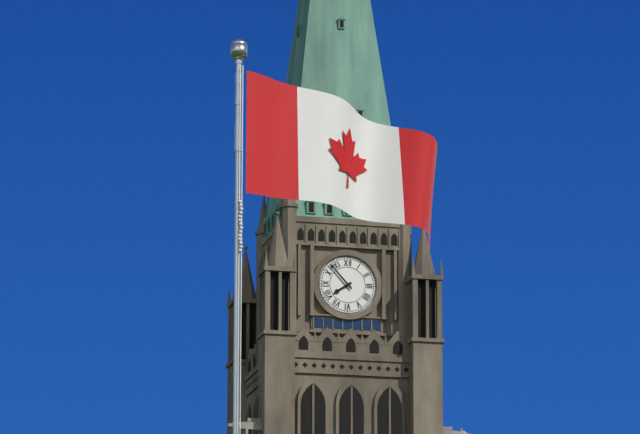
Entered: {"hour": 7, "minute": 53}
